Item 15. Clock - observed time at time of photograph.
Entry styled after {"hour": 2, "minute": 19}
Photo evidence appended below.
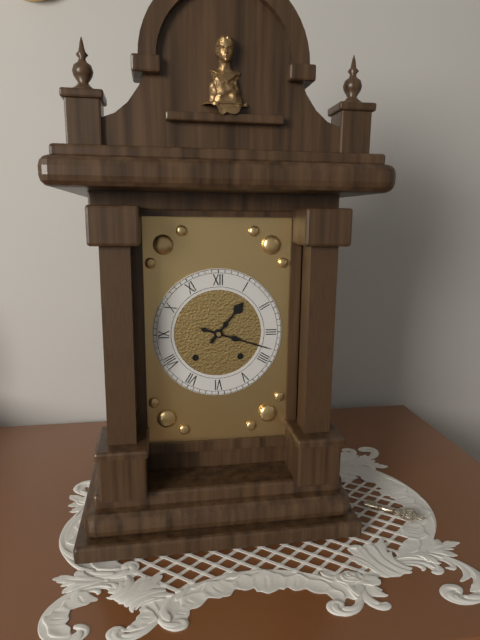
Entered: {"hour": 1, "minute": 18}
